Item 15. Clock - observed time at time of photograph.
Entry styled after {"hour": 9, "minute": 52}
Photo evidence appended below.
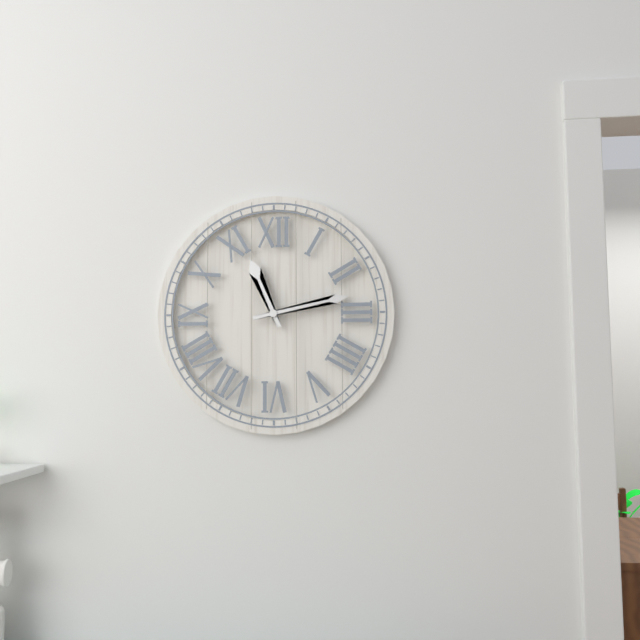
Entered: {"hour": 11, "minute": 13}
